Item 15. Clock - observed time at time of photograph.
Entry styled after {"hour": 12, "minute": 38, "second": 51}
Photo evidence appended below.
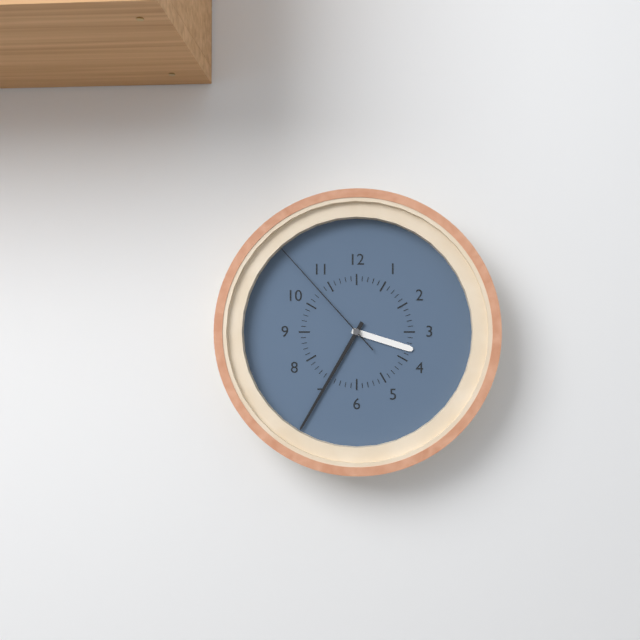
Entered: {"hour": 3, "minute": 35, "second": 53}
